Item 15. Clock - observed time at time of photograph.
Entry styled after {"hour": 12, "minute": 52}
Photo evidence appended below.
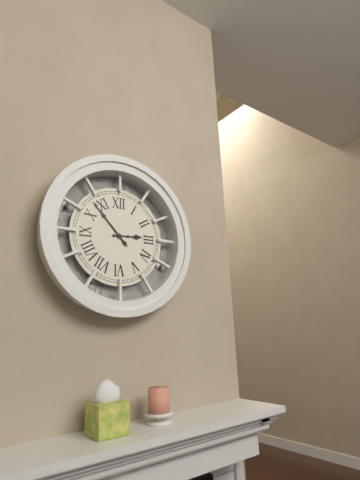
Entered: {"hour": 2, "minute": 53}
